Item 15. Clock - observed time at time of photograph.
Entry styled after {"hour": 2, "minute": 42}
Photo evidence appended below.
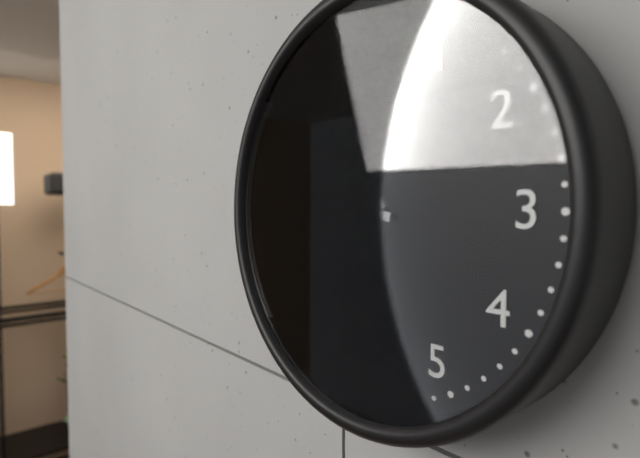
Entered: {"hour": 7, "minute": 47}
